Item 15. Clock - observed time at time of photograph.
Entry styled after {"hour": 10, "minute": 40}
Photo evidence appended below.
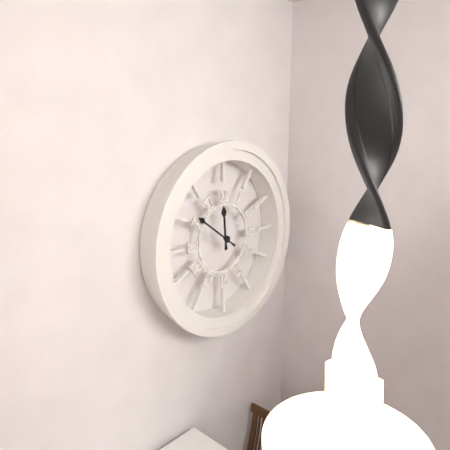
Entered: {"hour": 11, "minute": 51}
